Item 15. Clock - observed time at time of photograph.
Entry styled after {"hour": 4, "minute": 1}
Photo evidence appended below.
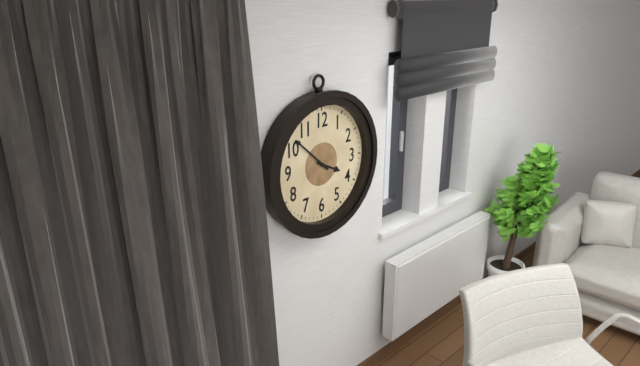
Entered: {"hour": 3, "minute": 52}
